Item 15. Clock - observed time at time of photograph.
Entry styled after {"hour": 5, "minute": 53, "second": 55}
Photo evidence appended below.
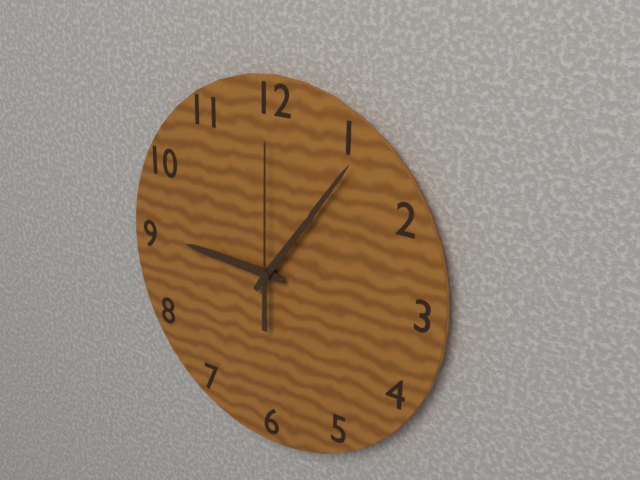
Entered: {"hour": 9, "minute": 6, "second": 0}
